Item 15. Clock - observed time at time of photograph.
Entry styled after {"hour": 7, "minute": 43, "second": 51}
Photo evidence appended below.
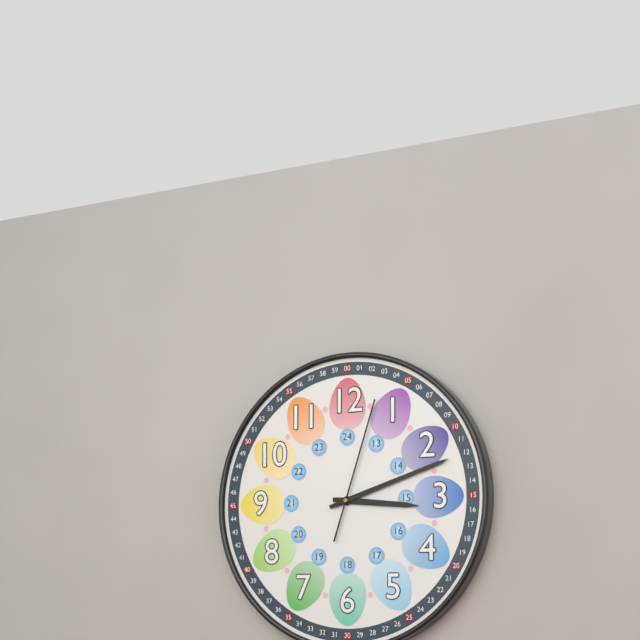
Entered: {"hour": 3, "minute": 12, "second": 3}
